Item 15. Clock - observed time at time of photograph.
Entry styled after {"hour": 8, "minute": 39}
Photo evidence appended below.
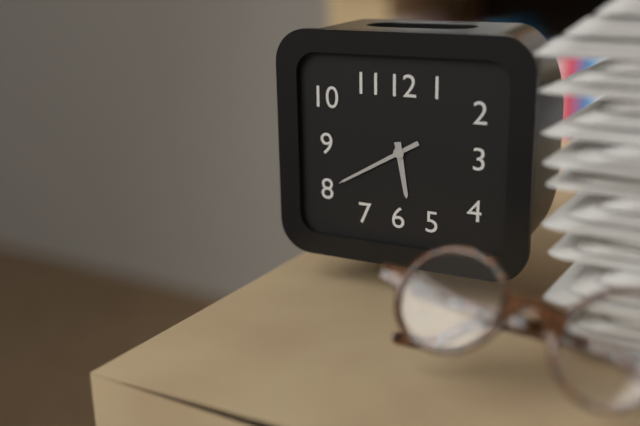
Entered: {"hour": 5, "minute": 40}
